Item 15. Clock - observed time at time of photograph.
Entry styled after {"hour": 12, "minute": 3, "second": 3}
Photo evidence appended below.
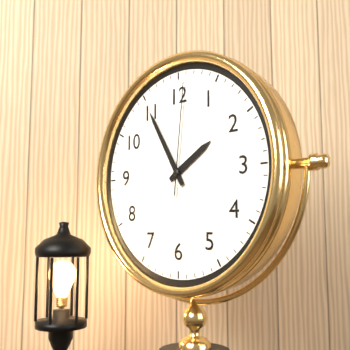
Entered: {"hour": 1, "minute": 55, "second": 1}
